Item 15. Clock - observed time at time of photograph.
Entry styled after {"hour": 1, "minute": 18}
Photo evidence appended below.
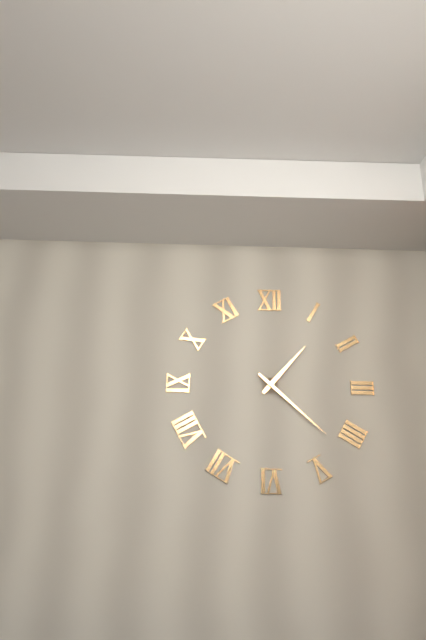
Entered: {"hour": 1, "minute": 22}
